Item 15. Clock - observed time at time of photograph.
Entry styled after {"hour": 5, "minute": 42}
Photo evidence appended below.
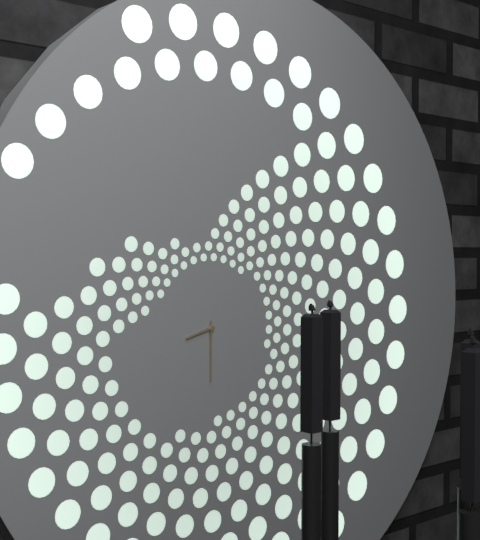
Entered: {"hour": 8, "minute": 30}
